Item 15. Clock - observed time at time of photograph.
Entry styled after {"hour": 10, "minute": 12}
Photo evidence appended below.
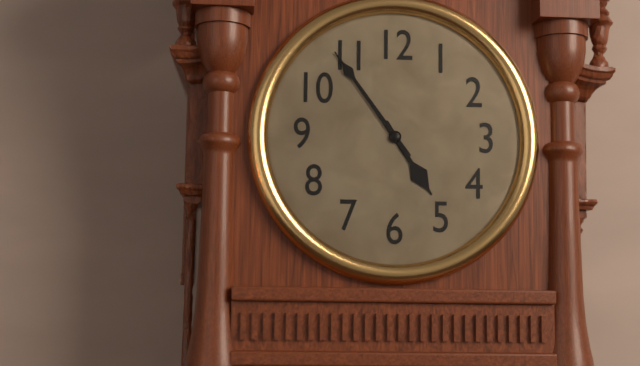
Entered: {"hour": 4, "minute": 54}
